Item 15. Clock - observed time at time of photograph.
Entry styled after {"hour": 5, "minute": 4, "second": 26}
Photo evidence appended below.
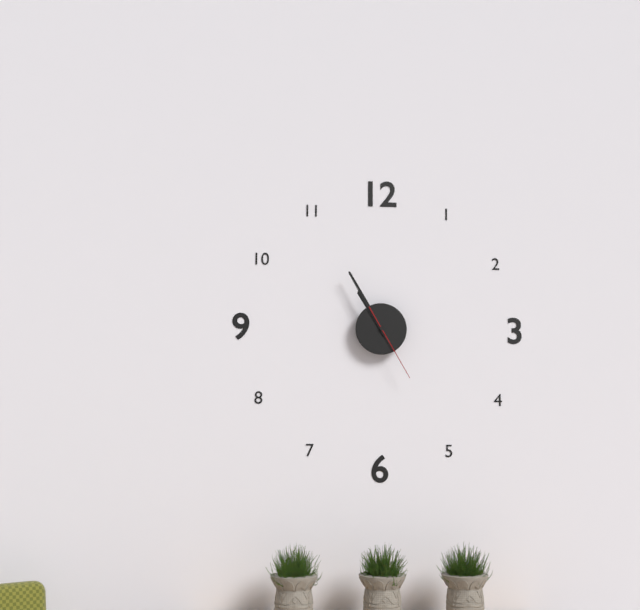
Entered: {"hour": 10, "minute": 55, "second": 25}
